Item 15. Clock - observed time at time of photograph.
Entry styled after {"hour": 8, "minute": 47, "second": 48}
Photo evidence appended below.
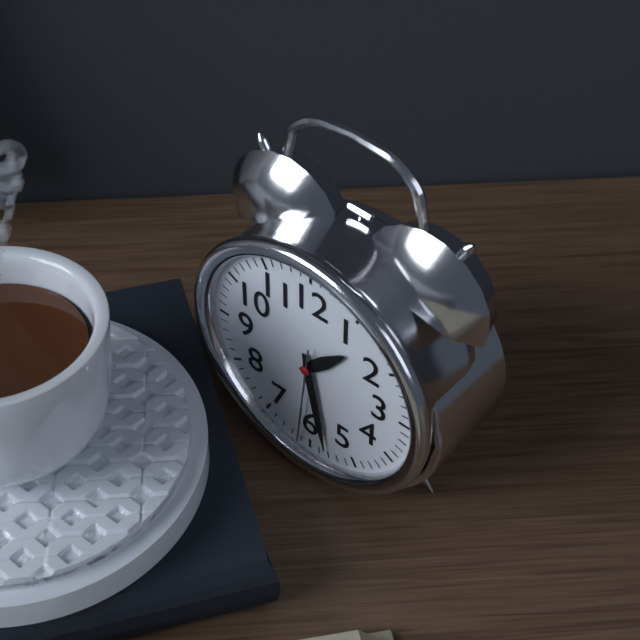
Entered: {"hour": 1, "minute": 28, "second": 31}
